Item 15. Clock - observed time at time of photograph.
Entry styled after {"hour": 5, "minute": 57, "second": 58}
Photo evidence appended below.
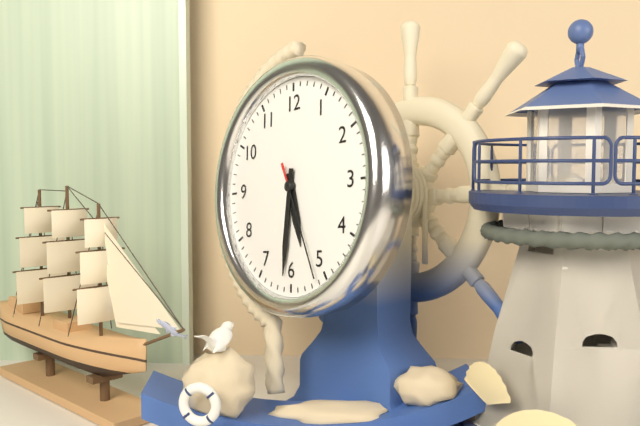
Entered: {"hour": 5, "minute": 31, "second": 26}
